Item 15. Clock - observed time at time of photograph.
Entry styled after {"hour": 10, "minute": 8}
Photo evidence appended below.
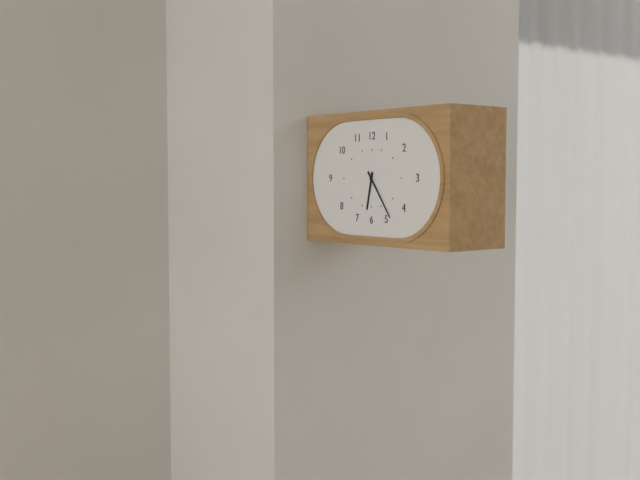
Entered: {"hour": 6, "minute": 24}
